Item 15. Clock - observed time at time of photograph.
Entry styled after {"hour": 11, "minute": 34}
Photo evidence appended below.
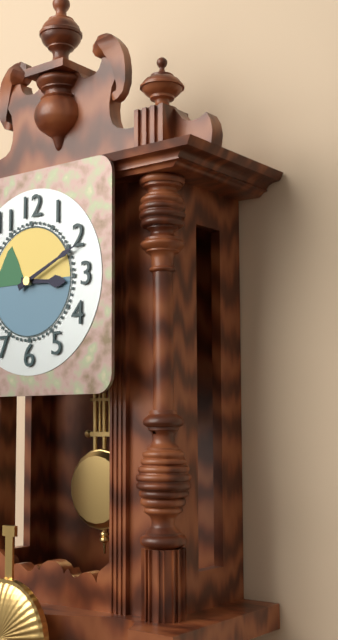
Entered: {"hour": 3, "minute": 11}
